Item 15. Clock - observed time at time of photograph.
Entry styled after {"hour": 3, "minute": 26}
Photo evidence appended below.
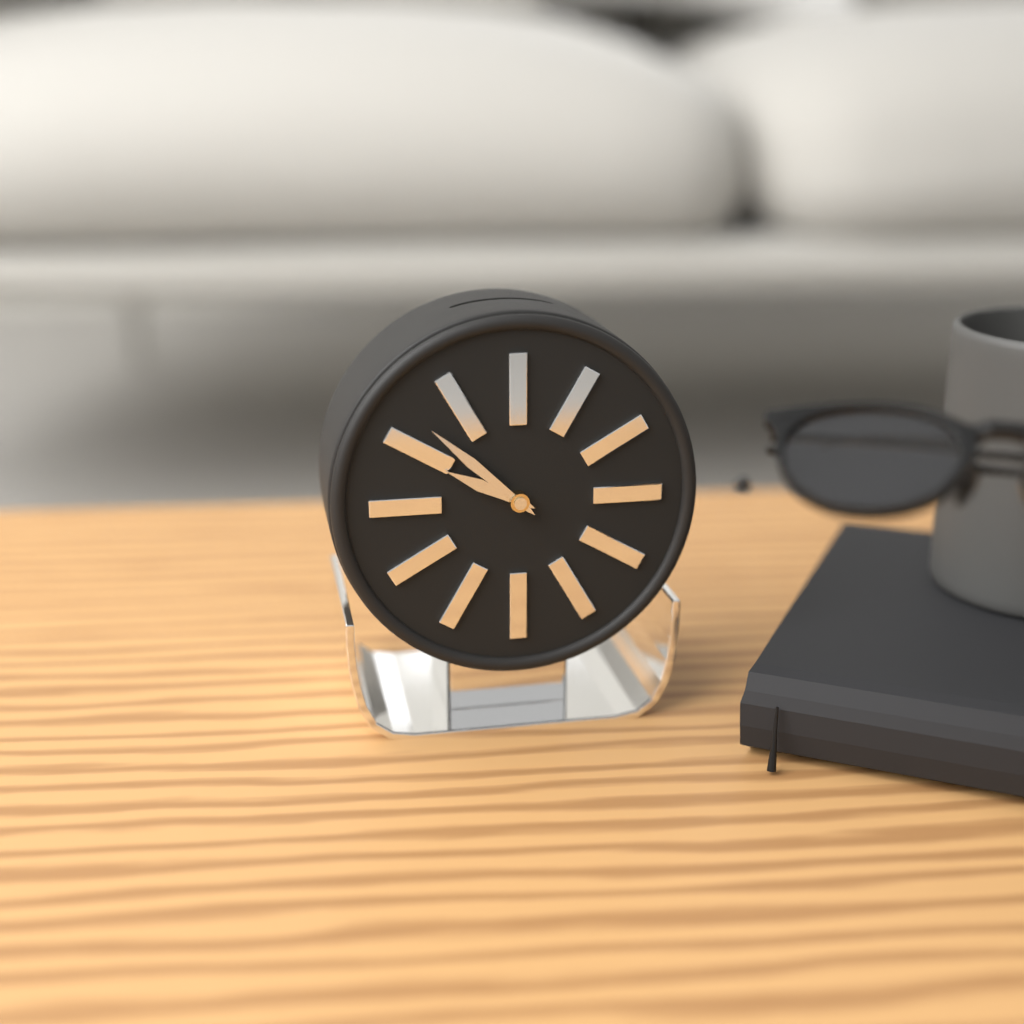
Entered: {"hour": 9, "minute": 52}
